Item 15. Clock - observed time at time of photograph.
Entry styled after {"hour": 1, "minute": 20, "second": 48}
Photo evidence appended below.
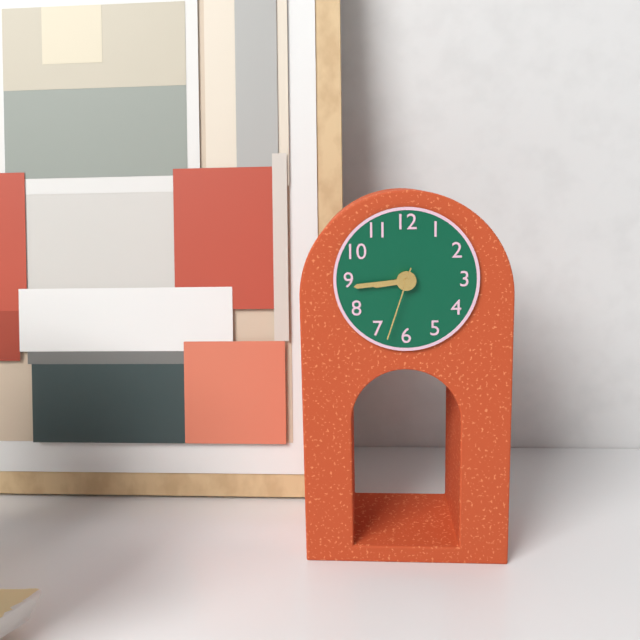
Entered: {"hour": 8, "minute": 44, "second": 33}
